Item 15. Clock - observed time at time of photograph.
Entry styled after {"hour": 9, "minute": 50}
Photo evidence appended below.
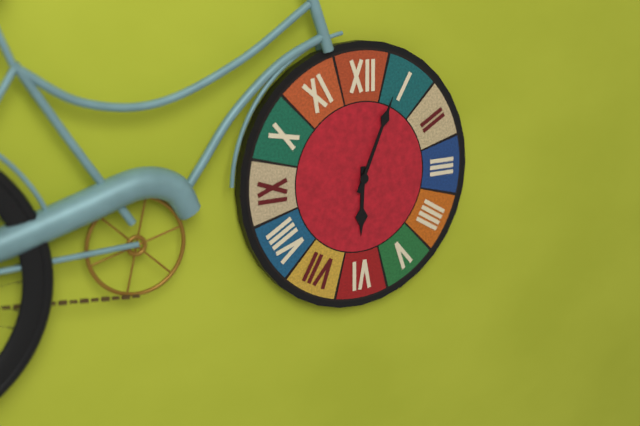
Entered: {"hour": 6, "minute": 4}
